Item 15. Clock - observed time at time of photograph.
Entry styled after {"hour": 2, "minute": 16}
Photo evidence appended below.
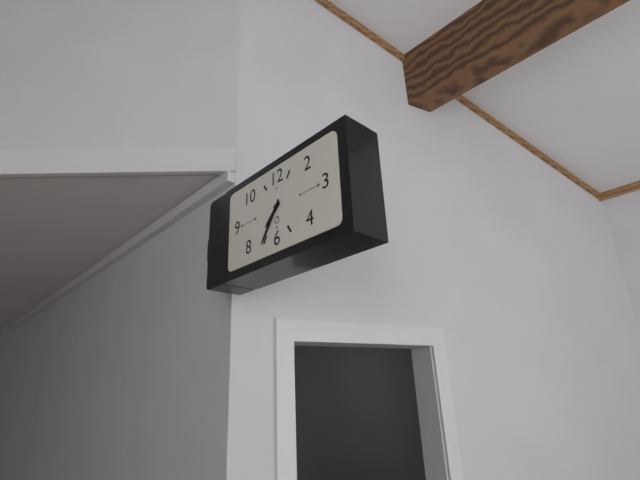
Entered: {"hour": 7, "minute": 36}
